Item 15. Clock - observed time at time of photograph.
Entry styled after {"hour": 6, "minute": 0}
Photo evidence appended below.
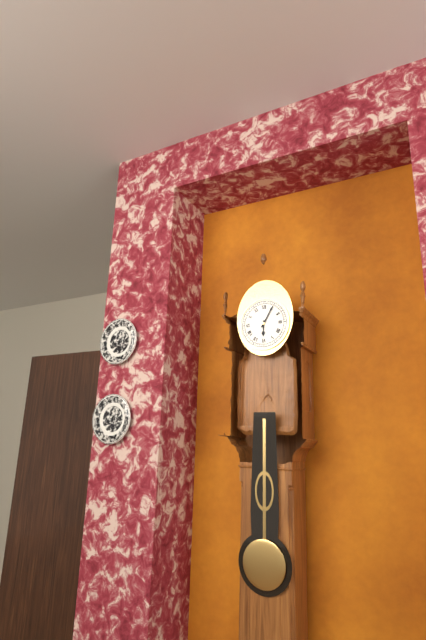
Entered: {"hour": 6, "minute": 5}
